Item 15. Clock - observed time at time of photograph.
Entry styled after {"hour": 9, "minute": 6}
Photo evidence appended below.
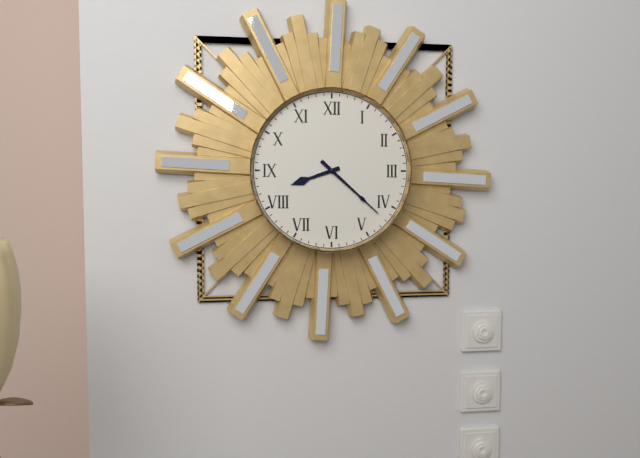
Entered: {"hour": 8, "minute": 22}
